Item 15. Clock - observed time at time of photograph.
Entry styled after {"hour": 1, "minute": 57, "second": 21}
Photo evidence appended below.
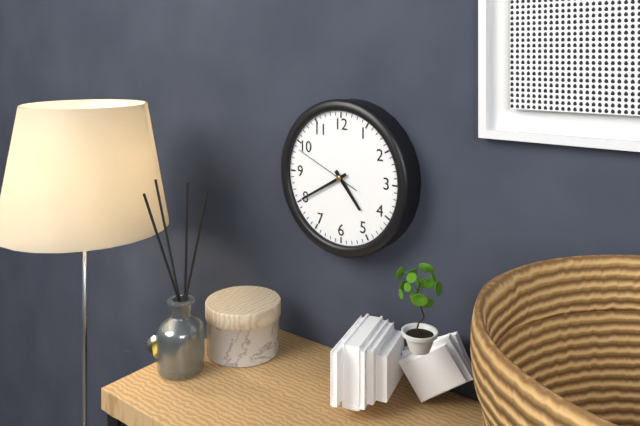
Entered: {"hour": 4, "minute": 40, "second": 49}
